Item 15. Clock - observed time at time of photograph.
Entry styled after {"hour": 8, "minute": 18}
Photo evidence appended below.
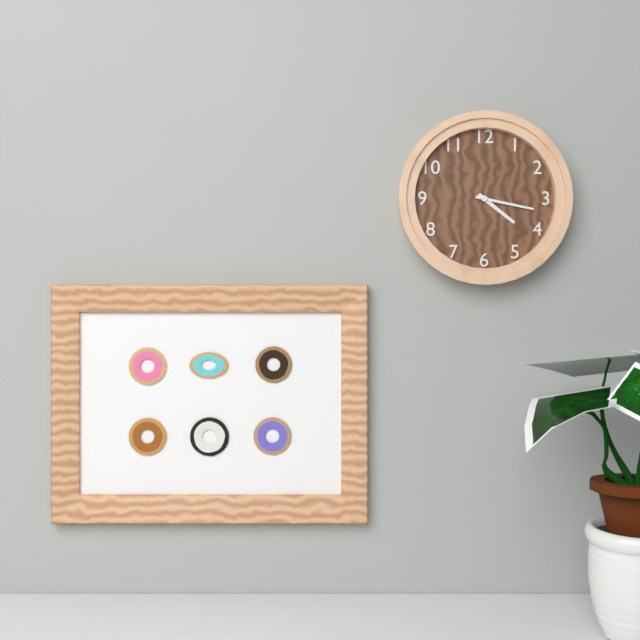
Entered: {"hour": 4, "minute": 17}
